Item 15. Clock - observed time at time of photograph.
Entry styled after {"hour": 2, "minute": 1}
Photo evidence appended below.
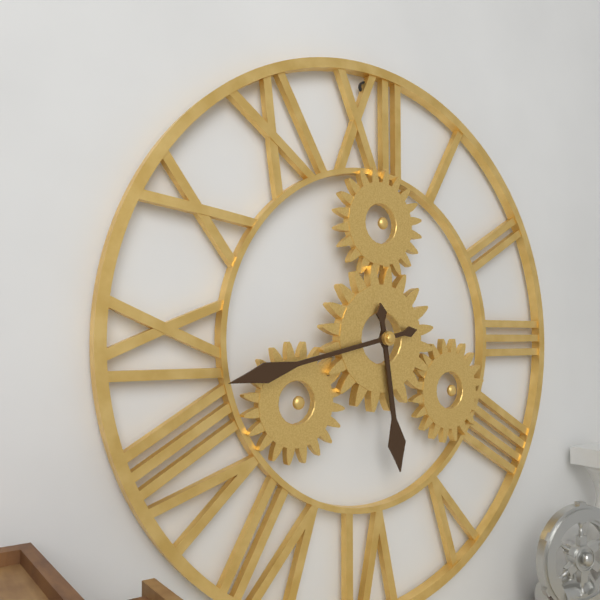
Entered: {"hour": 5, "minute": 43}
